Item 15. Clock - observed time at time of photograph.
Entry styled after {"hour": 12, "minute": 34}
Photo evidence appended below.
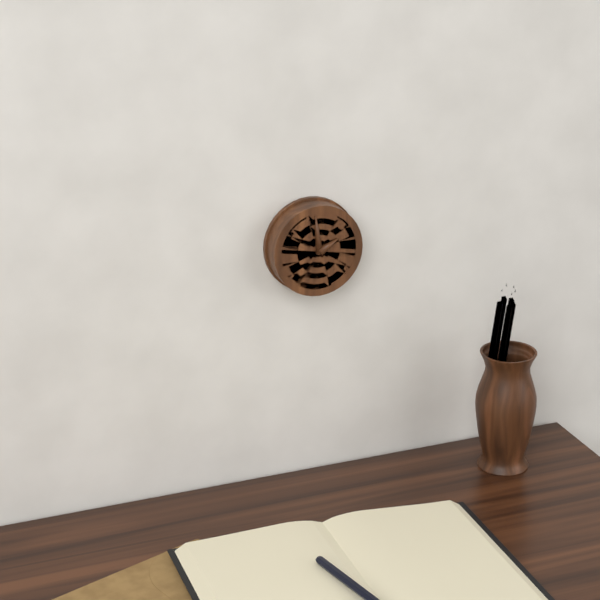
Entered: {"hour": 1, "minute": 59}
